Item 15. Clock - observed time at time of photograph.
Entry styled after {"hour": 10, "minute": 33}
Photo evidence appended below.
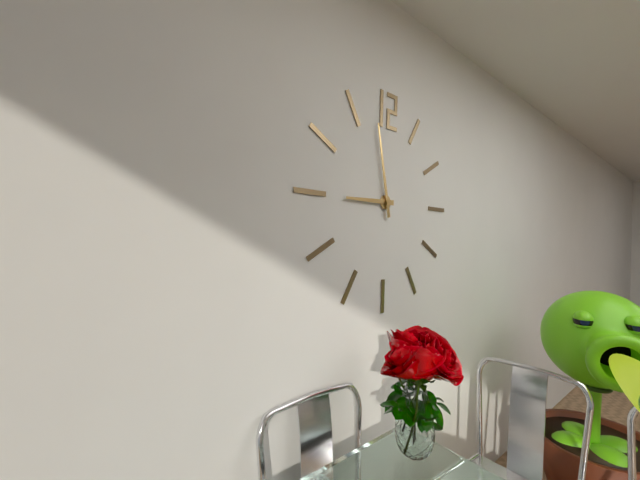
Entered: {"hour": 8, "minute": 58}
